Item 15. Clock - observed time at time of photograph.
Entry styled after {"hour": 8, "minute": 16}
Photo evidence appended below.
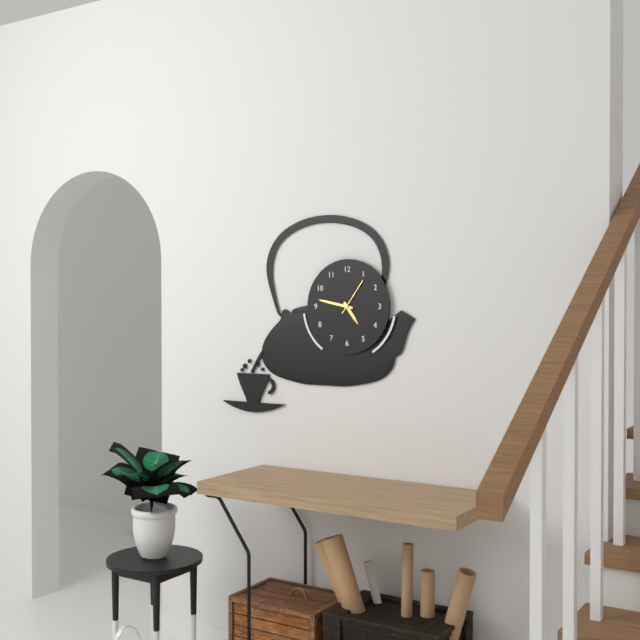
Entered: {"hour": 4, "minute": 47}
